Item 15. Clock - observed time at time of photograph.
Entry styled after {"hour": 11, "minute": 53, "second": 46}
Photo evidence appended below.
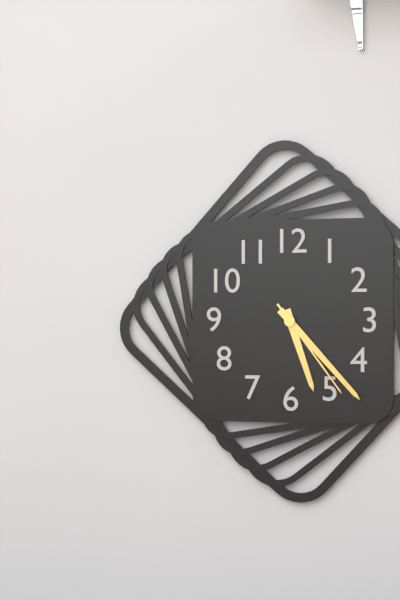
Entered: {"hour": 5, "minute": 23, "second": 24}
